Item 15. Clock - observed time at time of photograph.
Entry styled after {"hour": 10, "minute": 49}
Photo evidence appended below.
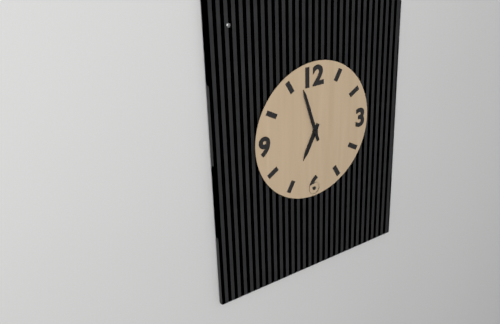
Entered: {"hour": 6, "minute": 57}
